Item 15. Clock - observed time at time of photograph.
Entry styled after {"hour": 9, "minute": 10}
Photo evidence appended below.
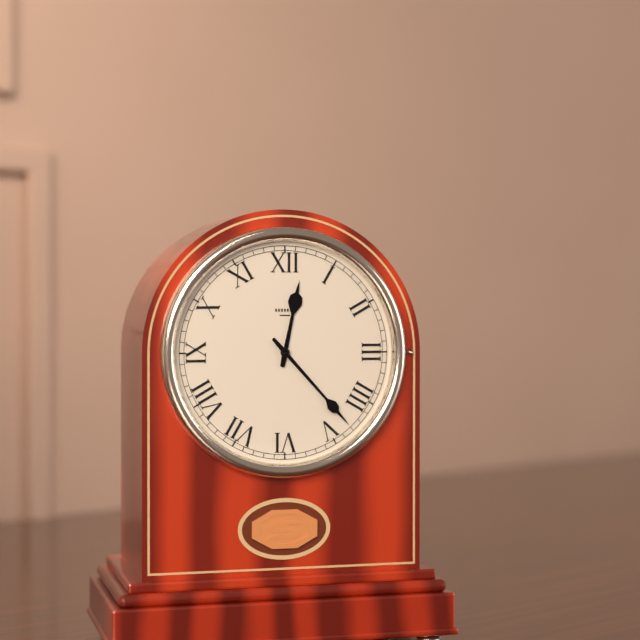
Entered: {"hour": 12, "minute": 23}
